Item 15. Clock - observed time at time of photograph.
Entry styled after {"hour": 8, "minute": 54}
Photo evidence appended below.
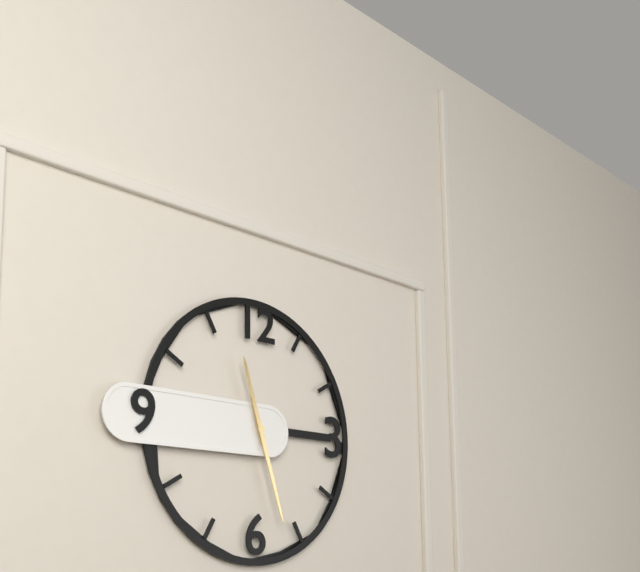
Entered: {"hour": 11, "minute": 27}
